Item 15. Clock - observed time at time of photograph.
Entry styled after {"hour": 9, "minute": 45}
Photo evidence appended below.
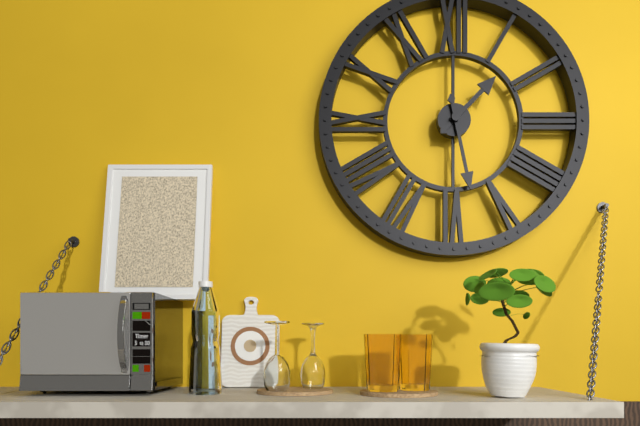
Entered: {"hour": 1, "minute": 28}
